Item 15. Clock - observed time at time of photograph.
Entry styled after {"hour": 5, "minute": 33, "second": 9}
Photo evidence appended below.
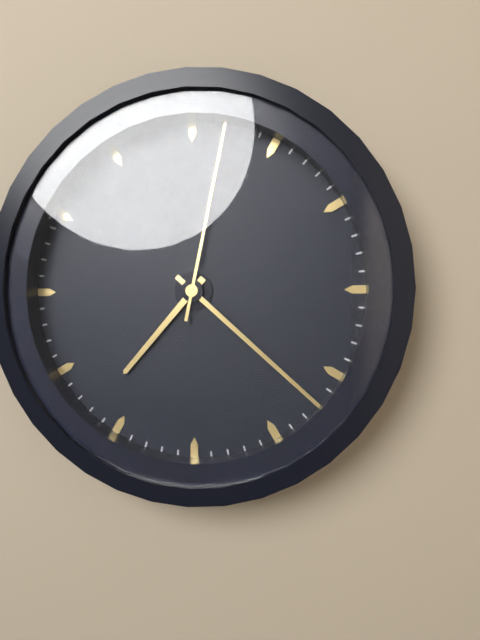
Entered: {"hour": 7, "minute": 22, "second": 2}
